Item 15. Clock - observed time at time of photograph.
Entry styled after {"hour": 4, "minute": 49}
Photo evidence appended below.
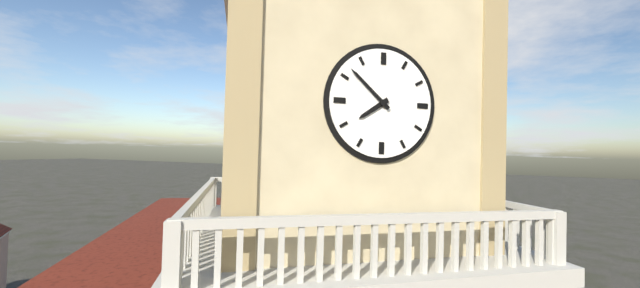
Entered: {"hour": 7, "minute": 52}
